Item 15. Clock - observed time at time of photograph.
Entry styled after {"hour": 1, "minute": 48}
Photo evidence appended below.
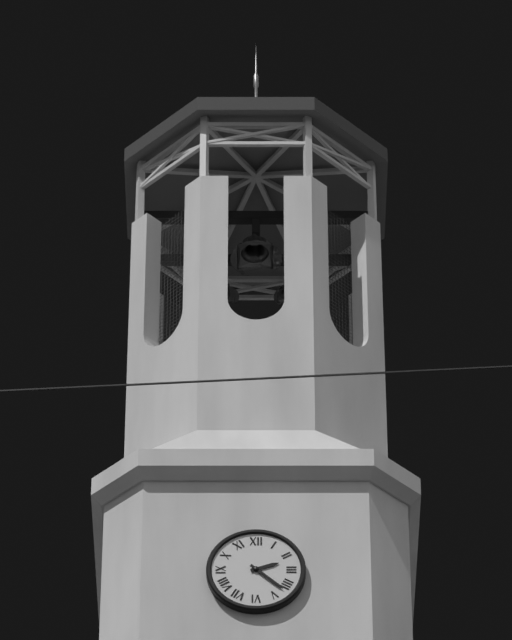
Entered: {"hour": 2, "minute": 22}
